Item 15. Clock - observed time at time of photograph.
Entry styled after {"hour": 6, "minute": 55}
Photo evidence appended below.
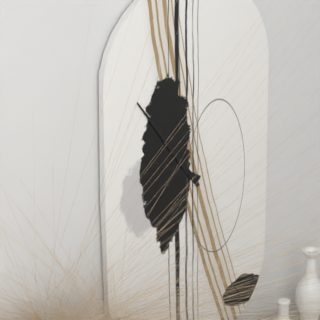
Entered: {"hour": 9, "minute": 54}
